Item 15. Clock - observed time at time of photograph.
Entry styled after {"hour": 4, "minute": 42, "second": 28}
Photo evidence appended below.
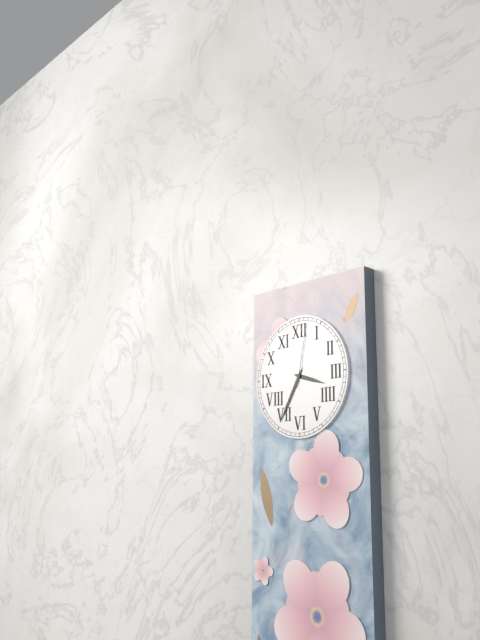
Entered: {"hour": 3, "minute": 35, "second": 2}
